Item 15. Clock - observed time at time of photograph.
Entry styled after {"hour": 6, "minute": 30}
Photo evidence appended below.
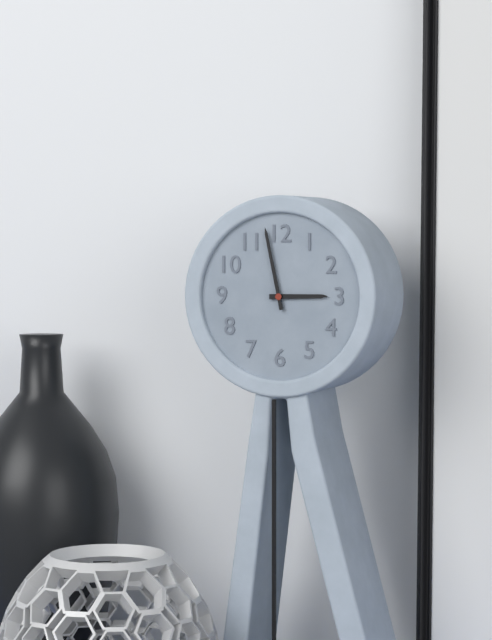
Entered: {"hour": 2, "minute": 58}
